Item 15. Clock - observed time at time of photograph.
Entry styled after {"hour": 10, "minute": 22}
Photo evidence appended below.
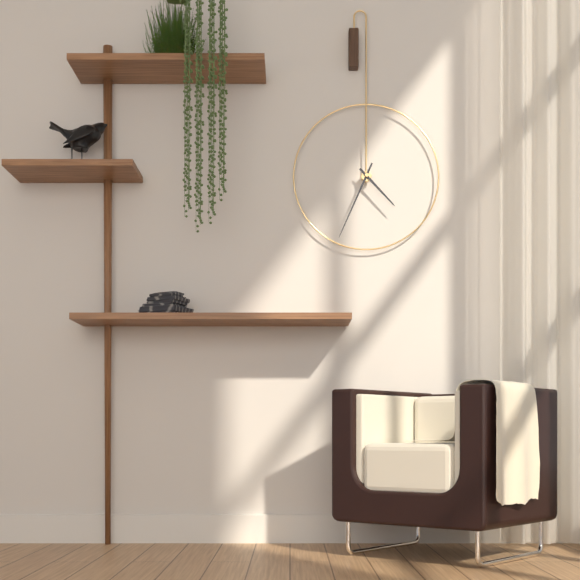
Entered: {"hour": 4, "minute": 34}
